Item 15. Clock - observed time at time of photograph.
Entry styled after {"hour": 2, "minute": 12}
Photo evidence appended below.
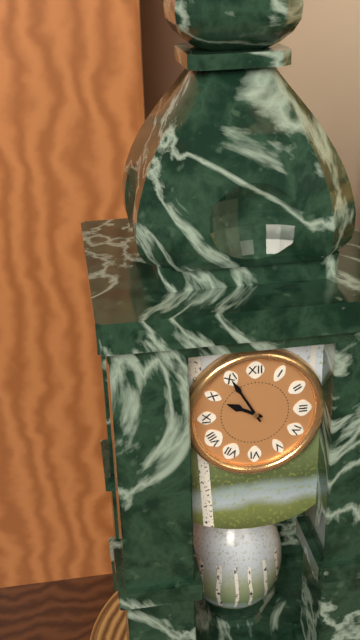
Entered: {"hour": 9, "minute": 55}
